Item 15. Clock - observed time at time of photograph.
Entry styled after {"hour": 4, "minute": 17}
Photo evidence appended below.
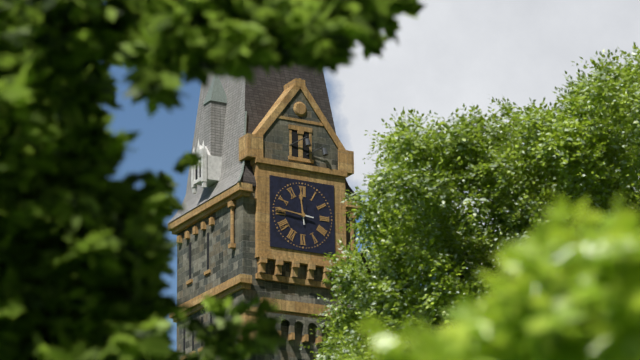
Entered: {"hour": 11, "minute": 46}
